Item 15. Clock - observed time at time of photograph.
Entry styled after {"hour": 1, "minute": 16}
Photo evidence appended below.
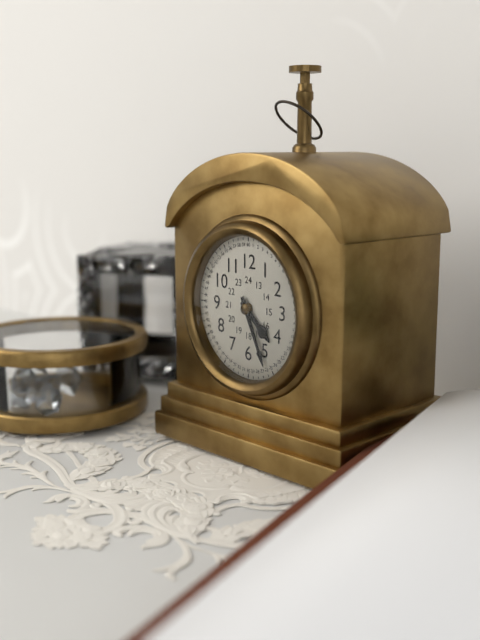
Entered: {"hour": 4, "minute": 26}
